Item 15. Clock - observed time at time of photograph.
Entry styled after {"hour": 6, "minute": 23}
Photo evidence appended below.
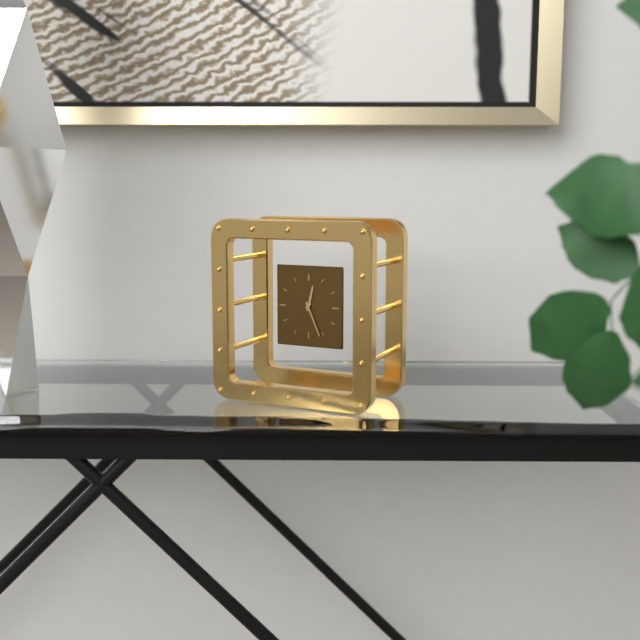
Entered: {"hour": 12, "minute": 26}
